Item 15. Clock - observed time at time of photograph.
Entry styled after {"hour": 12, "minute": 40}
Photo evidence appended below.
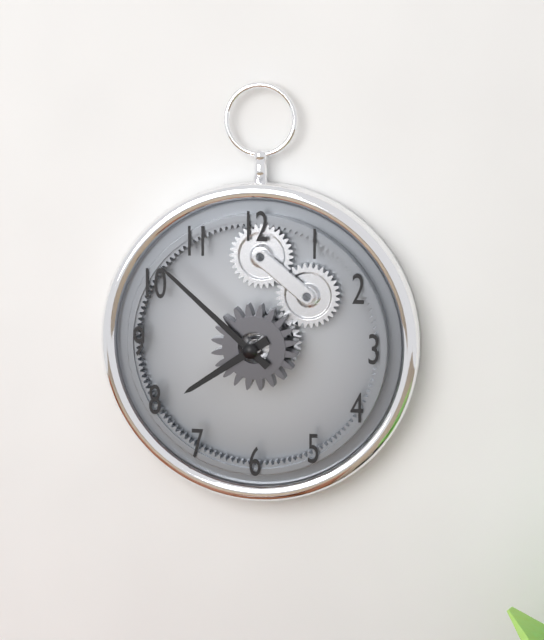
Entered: {"hour": 7, "minute": 52}
